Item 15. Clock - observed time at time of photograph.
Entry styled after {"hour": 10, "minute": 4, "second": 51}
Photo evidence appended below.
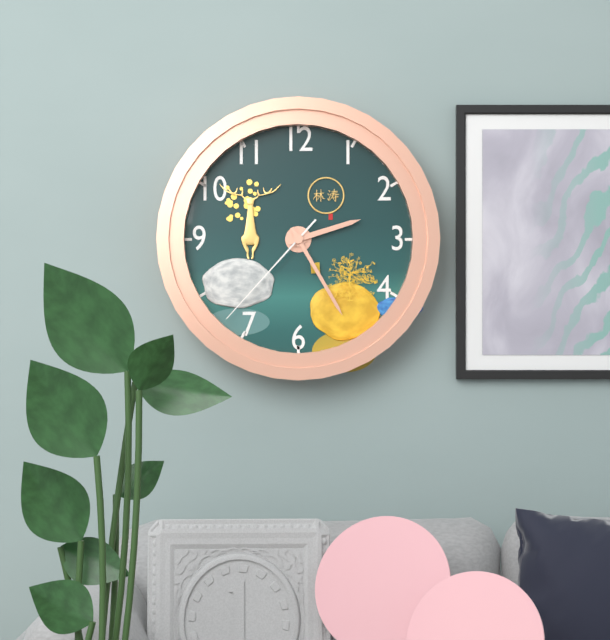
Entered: {"hour": 2, "minute": 25, "second": 37}
